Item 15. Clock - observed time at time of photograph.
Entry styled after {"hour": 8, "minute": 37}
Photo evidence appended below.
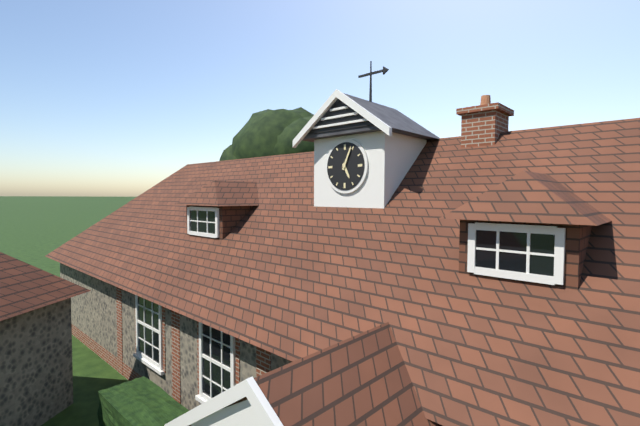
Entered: {"hour": 5, "minute": 4}
